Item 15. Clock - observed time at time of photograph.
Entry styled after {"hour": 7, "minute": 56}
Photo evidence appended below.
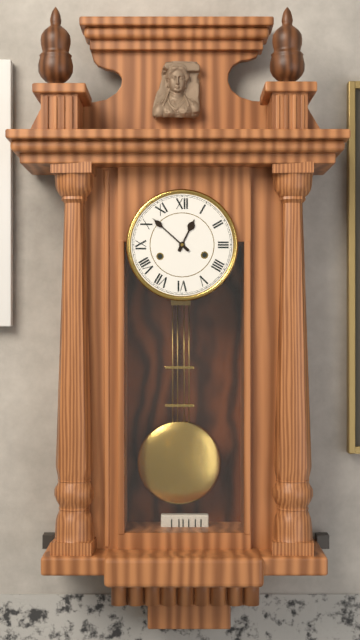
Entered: {"hour": 12, "minute": 52}
